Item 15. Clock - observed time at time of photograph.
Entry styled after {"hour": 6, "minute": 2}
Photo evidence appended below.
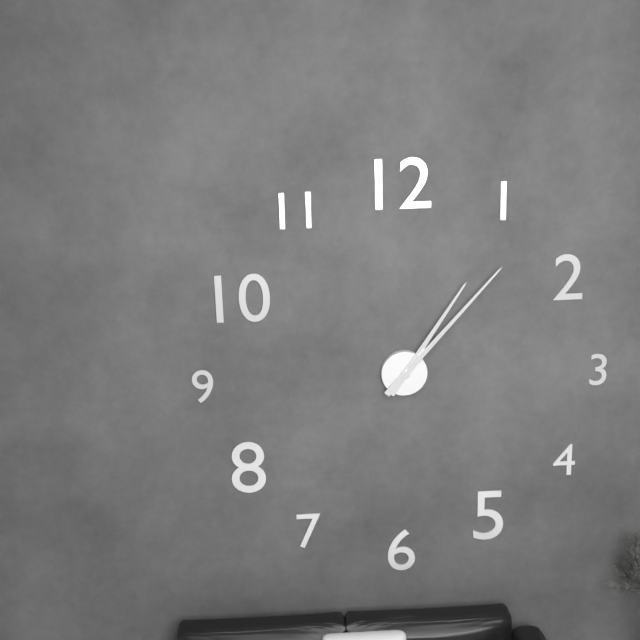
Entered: {"hour": 1, "minute": 7}
